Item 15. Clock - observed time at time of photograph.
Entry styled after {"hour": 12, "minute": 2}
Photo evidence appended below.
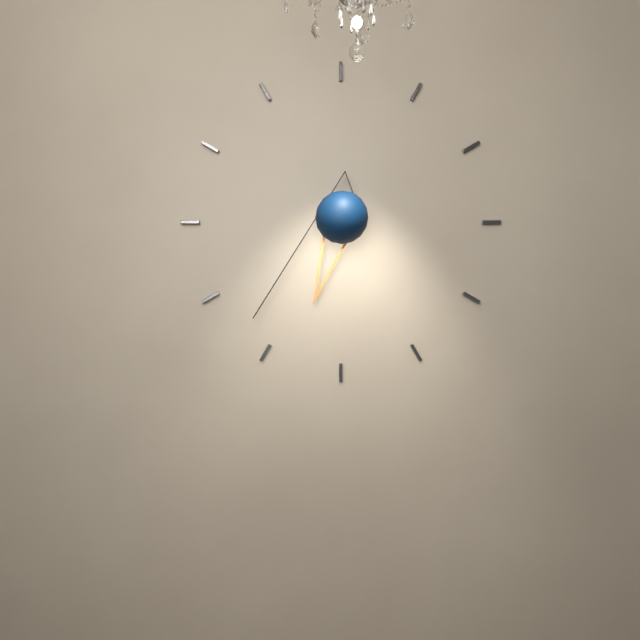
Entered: {"hour": 6, "minute": 37}
